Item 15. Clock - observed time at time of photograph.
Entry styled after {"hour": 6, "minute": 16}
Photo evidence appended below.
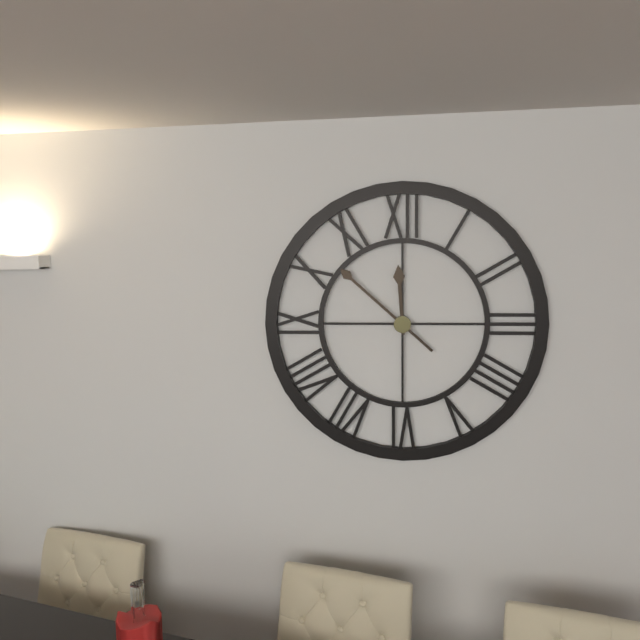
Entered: {"hour": 11, "minute": 52}
